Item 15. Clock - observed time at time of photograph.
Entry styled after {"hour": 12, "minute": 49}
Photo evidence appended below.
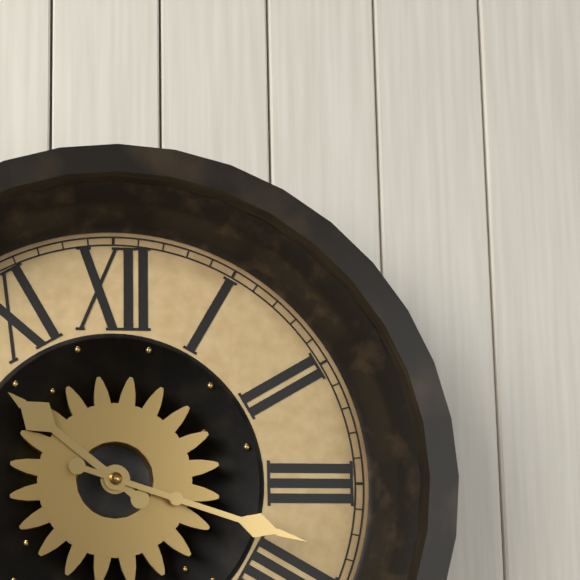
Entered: {"hour": 10, "minute": 18}
